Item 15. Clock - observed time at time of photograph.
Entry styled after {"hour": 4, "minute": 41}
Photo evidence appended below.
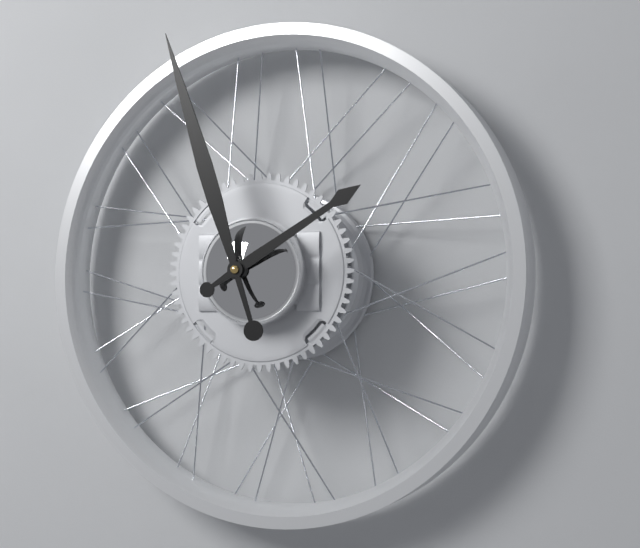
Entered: {"hour": 1, "minute": 57}
